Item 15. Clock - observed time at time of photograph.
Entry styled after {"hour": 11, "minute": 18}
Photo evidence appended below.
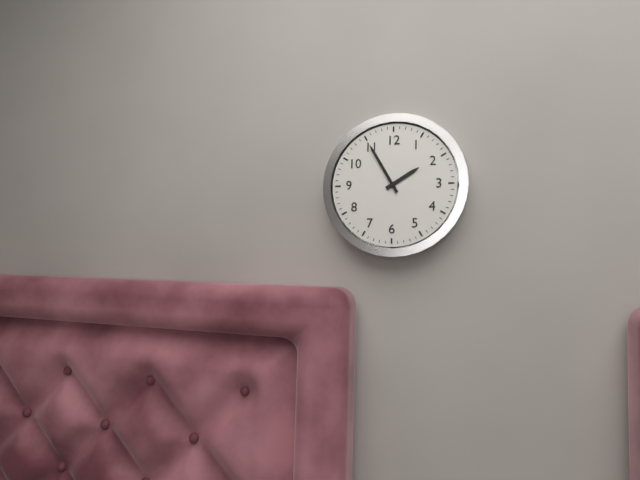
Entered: {"hour": 1, "minute": 55}
